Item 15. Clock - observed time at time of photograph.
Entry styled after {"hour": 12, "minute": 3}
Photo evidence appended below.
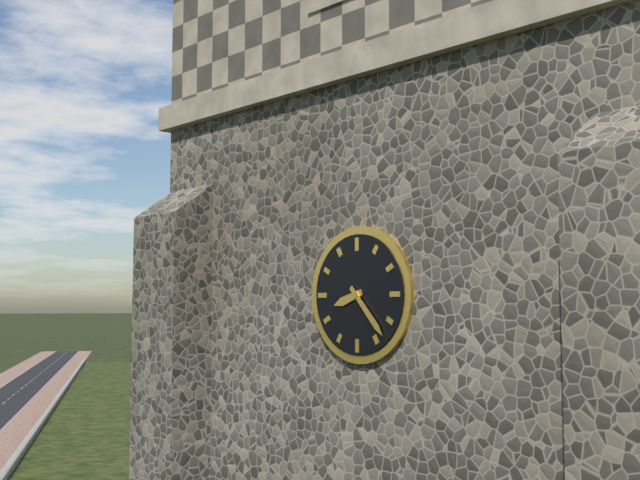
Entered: {"hour": 8, "minute": 23}
